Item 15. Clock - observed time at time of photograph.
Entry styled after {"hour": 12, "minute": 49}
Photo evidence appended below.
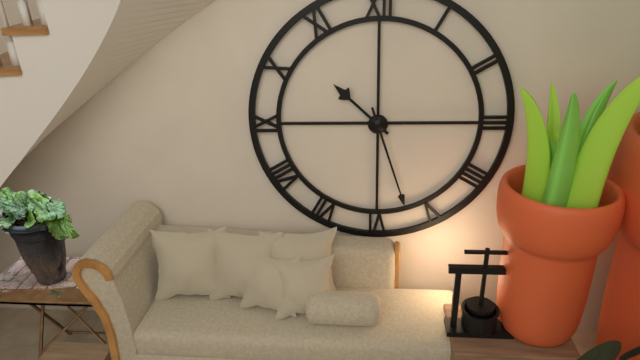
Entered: {"hour": 10, "minute": 27}
